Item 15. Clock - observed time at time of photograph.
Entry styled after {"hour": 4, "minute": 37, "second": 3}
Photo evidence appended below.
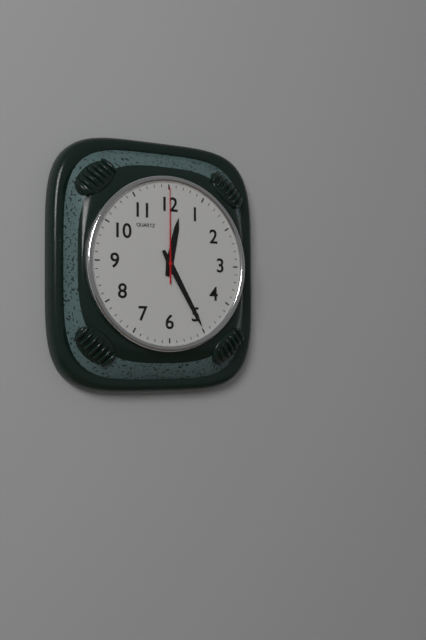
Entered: {"hour": 12, "minute": 25, "second": 0}
